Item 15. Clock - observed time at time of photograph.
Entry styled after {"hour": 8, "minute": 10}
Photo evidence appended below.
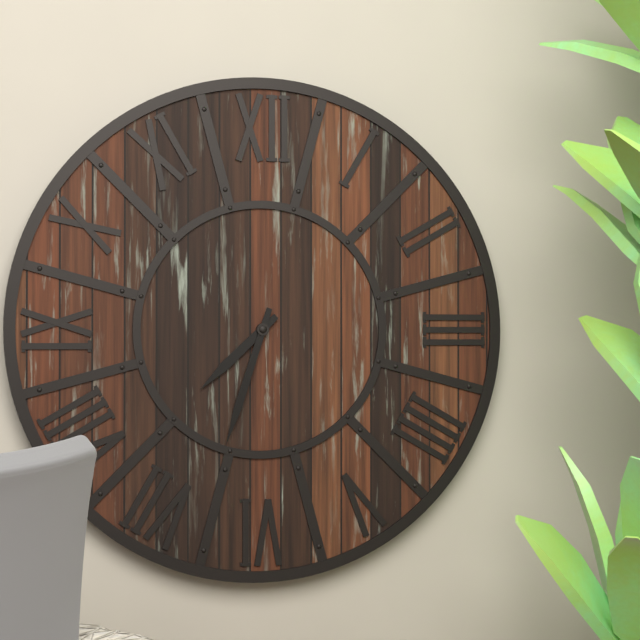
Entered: {"hour": 7, "minute": 33}
